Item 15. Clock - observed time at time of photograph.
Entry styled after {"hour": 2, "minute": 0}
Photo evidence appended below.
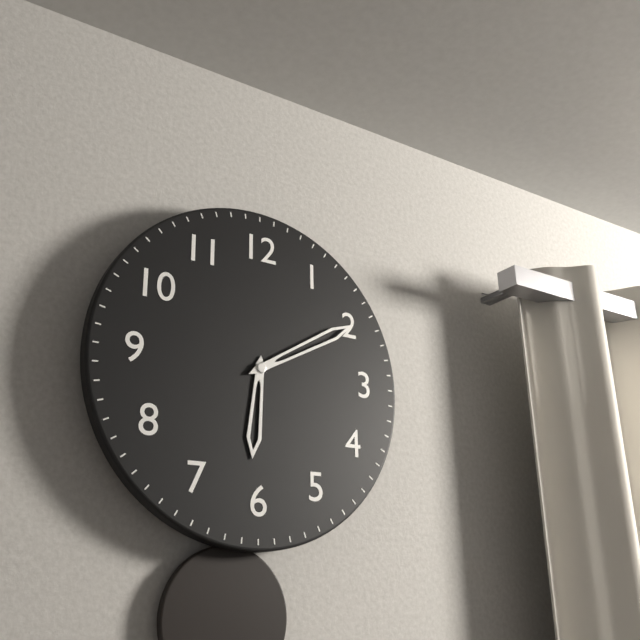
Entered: {"hour": 6, "minute": 10}
